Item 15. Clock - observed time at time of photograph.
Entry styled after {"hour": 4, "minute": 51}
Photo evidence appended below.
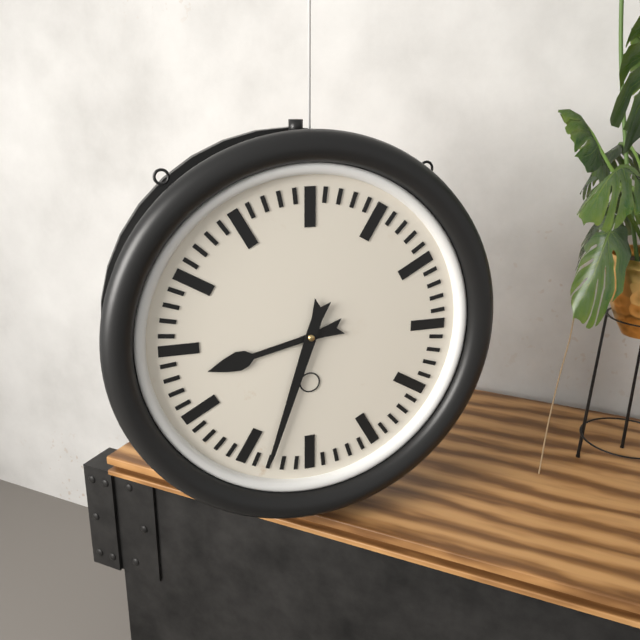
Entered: {"hour": 8, "minute": 33}
